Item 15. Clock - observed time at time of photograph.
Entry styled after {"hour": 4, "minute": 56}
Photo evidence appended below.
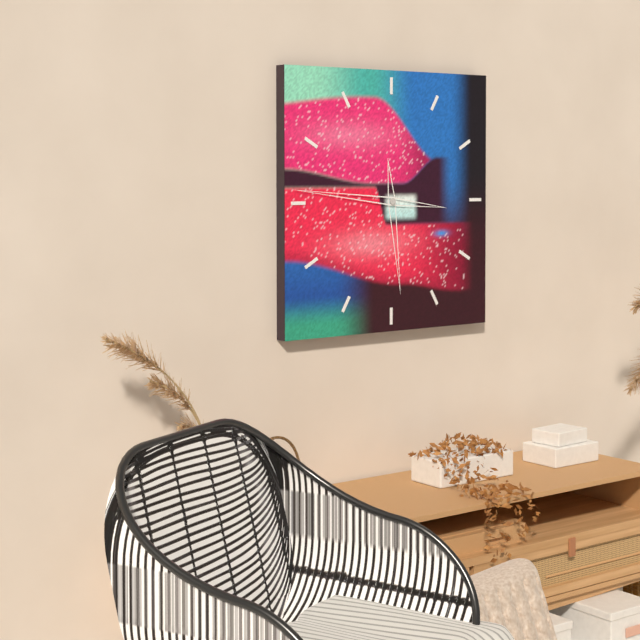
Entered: {"hour": 5, "minute": 46}
